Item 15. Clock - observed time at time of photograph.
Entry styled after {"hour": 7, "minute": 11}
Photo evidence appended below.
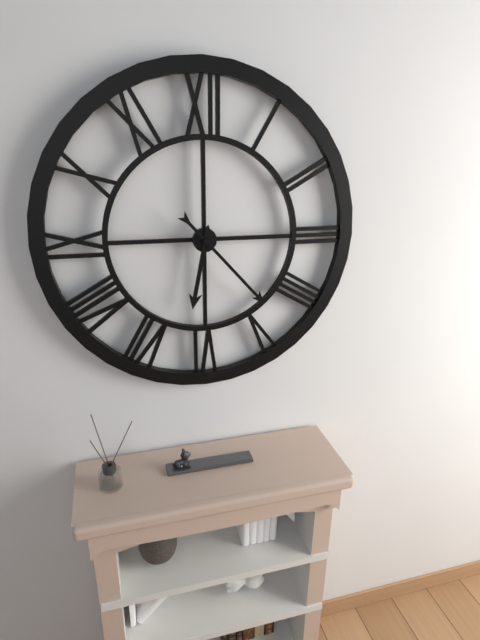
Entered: {"hour": 6, "minute": 23}
